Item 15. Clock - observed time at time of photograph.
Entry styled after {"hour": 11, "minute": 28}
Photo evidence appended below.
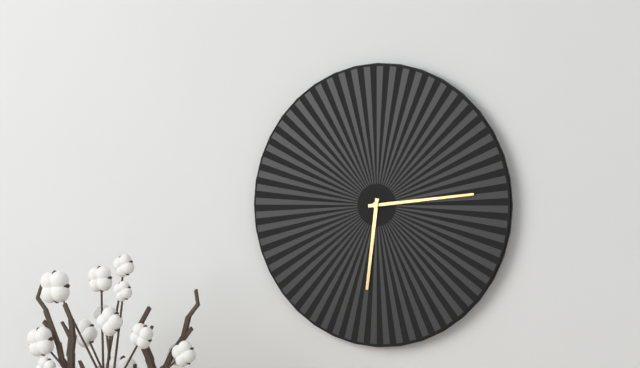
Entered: {"hour": 6, "minute": 14}
